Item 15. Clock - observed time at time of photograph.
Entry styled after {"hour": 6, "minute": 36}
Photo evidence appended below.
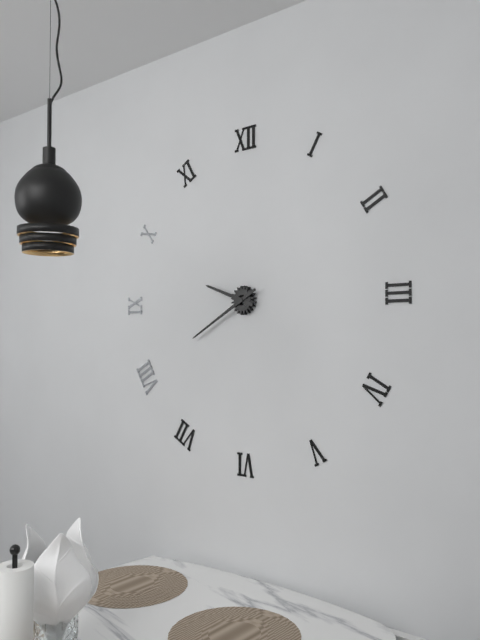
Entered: {"hour": 9, "minute": 40}
